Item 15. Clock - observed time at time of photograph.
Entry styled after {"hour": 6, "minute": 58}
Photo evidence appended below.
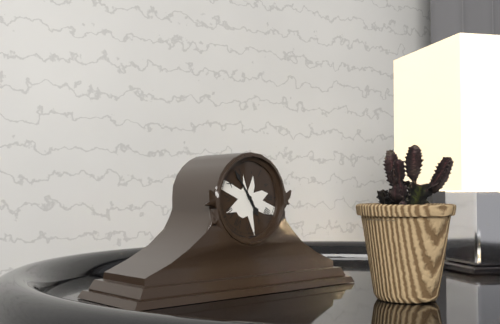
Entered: {"hour": 4, "minute": 54}
